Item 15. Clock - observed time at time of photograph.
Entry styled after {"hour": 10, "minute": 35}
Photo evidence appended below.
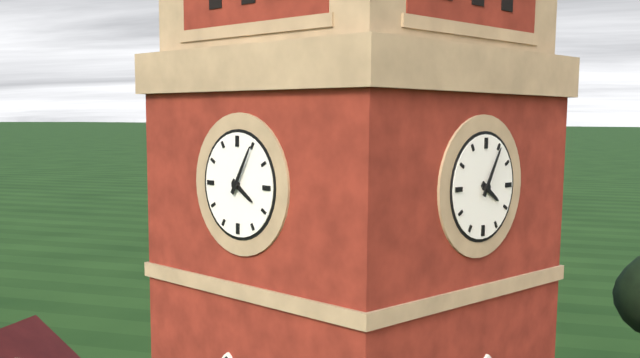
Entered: {"hour": 4, "minute": 5}
